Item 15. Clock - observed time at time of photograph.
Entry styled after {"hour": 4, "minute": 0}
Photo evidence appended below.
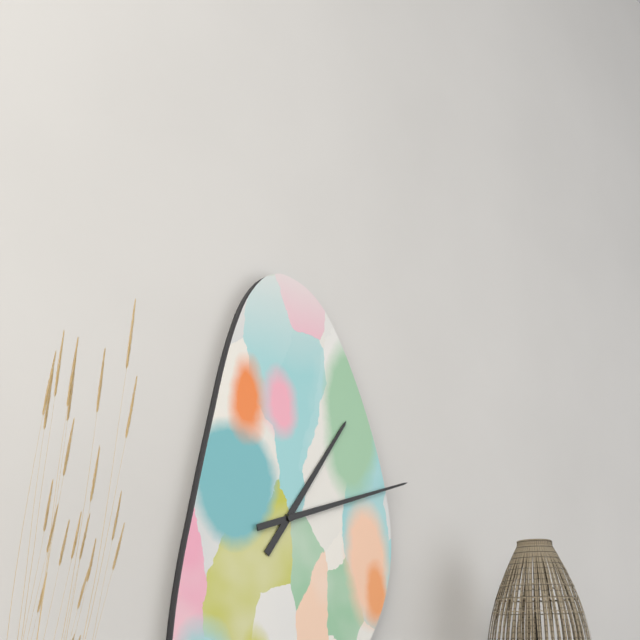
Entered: {"hour": 1, "minute": 12}
